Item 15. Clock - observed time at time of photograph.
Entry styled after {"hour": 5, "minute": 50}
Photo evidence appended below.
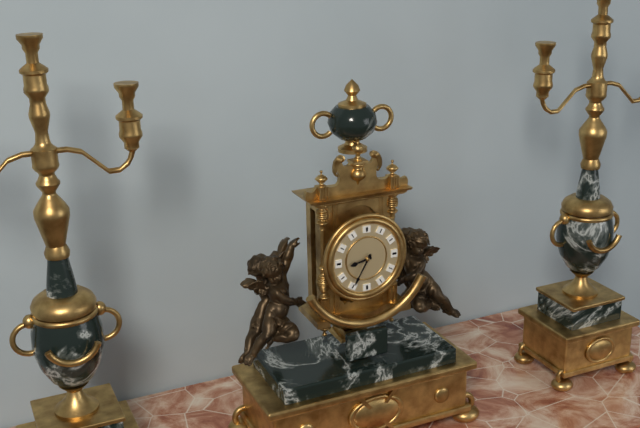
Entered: {"hour": 8, "minute": 35}
